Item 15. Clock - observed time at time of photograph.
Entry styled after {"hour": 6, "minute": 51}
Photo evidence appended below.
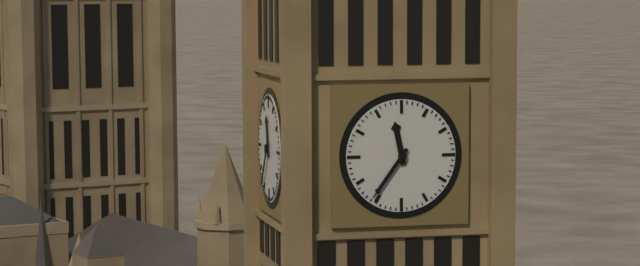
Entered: {"hour": 11, "minute": 36}
